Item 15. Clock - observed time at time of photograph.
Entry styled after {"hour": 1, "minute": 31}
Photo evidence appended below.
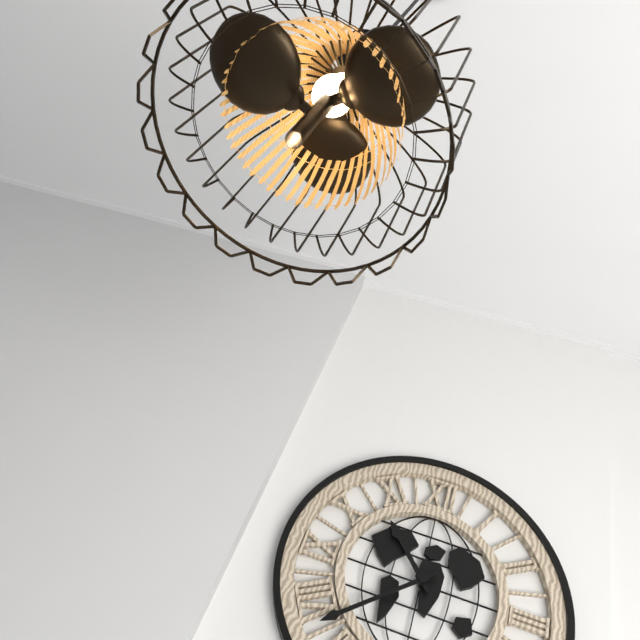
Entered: {"hour": 10, "minute": 38}
